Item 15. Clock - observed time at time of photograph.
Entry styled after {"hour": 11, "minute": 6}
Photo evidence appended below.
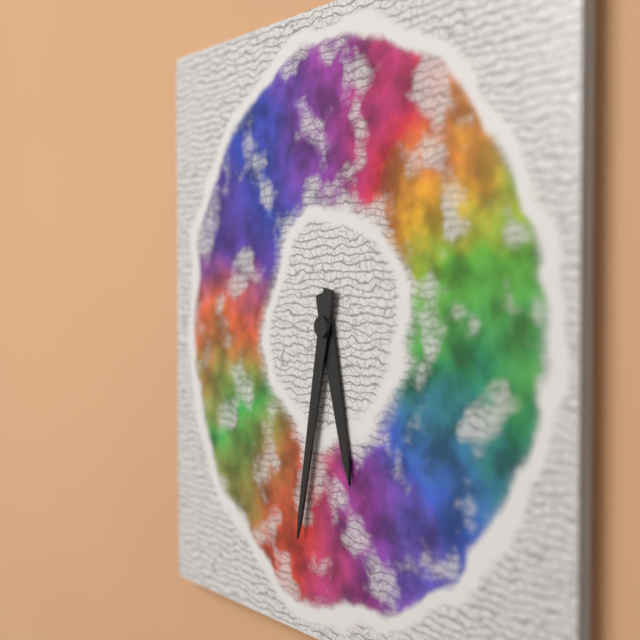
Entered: {"hour": 5, "minute": 32}
